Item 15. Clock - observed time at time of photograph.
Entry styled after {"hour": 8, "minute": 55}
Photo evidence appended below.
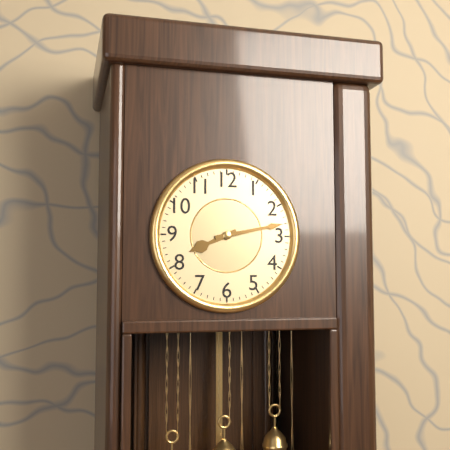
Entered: {"hour": 8, "minute": 13}
